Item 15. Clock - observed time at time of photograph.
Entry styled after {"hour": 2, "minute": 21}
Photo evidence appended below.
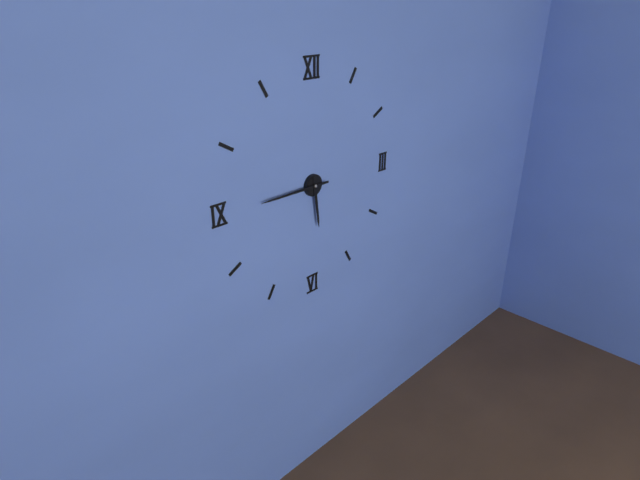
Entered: {"hour": 5, "minute": 45}
